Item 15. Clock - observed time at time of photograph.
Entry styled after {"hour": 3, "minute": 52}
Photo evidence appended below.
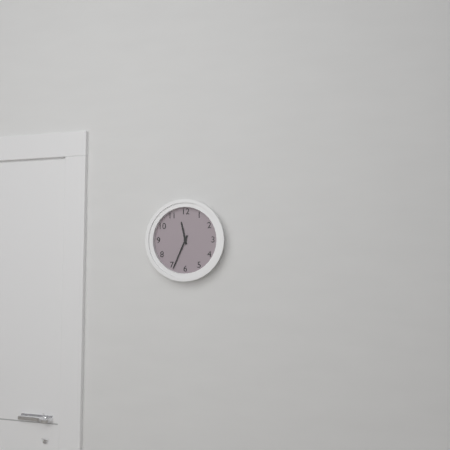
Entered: {"hour": 11, "minute": 34}
